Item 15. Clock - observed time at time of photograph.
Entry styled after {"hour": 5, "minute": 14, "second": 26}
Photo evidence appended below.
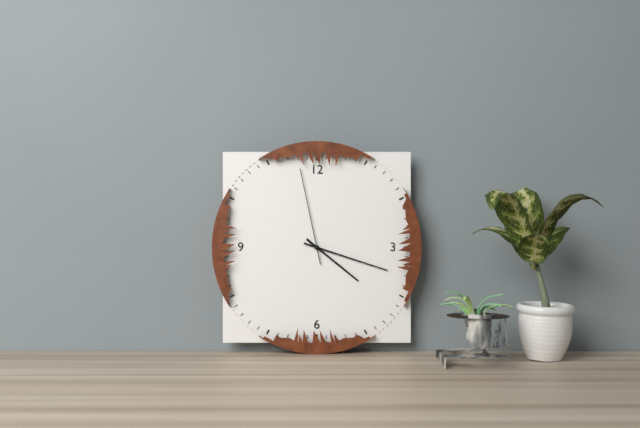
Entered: {"hour": 4, "minute": 18, "second": 58}
